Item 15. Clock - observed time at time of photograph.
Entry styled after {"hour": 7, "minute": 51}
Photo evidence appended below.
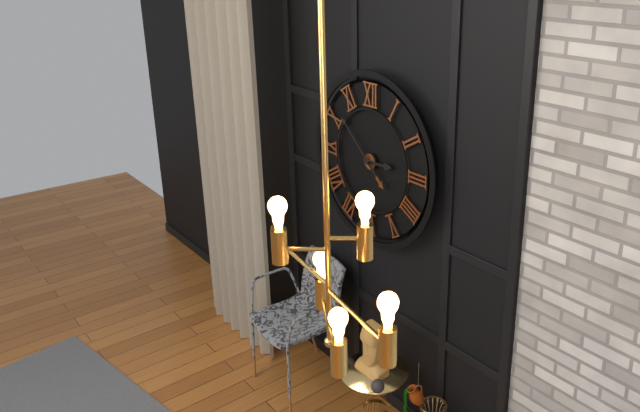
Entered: {"hour": 2, "minute": 52}
